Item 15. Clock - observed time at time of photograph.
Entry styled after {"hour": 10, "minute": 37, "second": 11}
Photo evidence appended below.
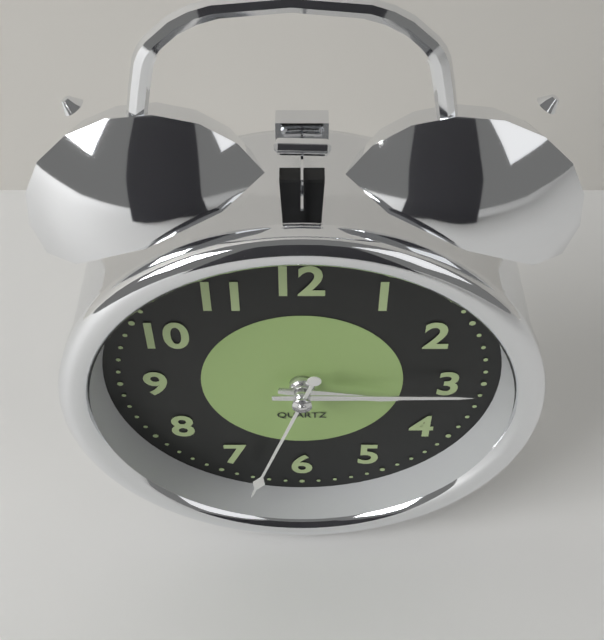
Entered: {"hour": 3, "minute": 15, "second": 33}
